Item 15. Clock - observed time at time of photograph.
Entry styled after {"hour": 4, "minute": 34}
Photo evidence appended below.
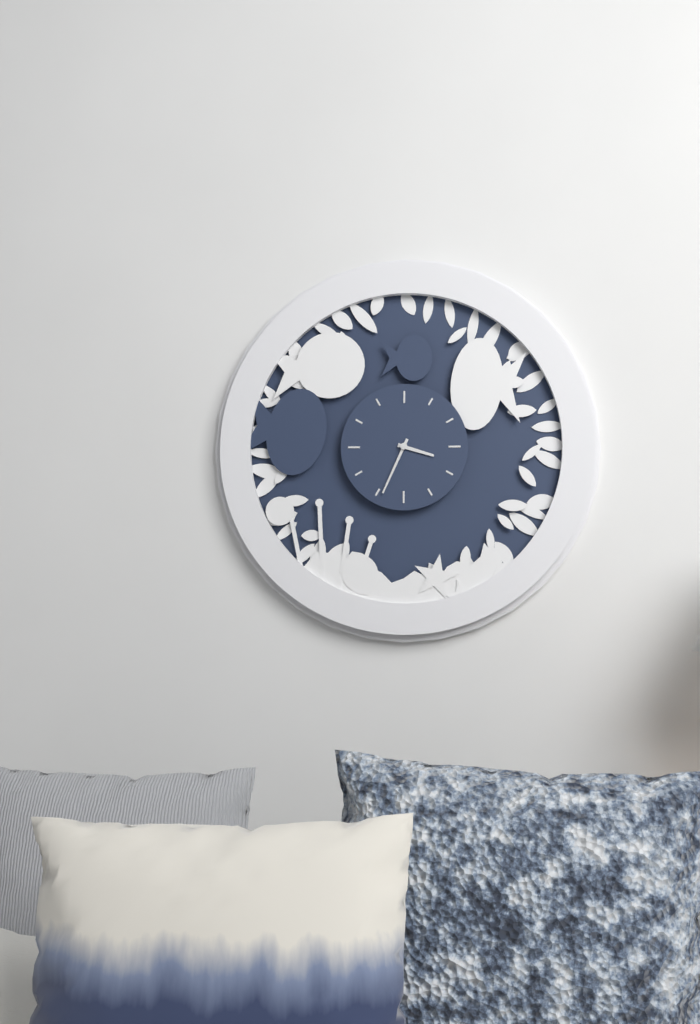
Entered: {"hour": 3, "minute": 34}
